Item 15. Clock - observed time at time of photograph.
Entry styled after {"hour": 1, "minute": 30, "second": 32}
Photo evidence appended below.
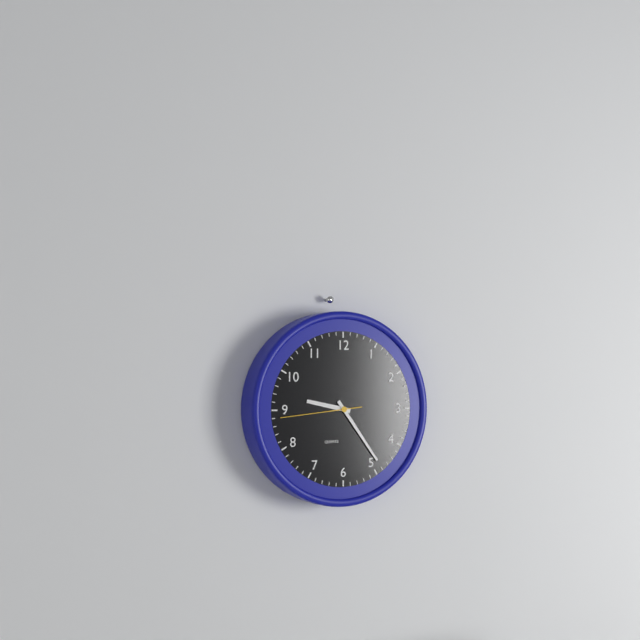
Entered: {"hour": 9, "minute": 24, "second": 44}
